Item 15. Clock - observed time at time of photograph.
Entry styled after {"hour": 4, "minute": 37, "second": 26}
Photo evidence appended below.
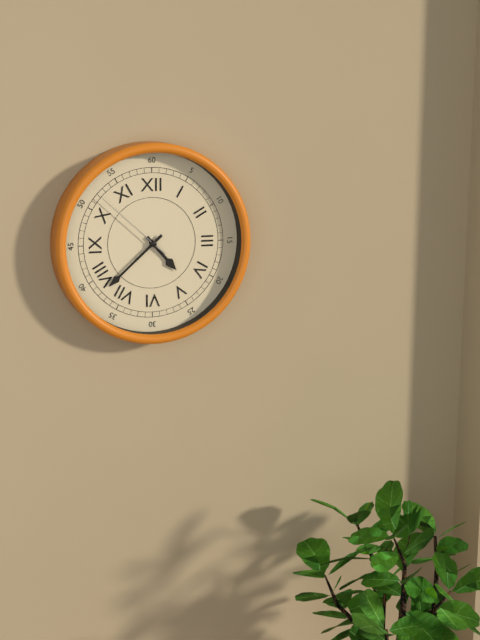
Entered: {"hour": 4, "minute": 38, "second": 52}
